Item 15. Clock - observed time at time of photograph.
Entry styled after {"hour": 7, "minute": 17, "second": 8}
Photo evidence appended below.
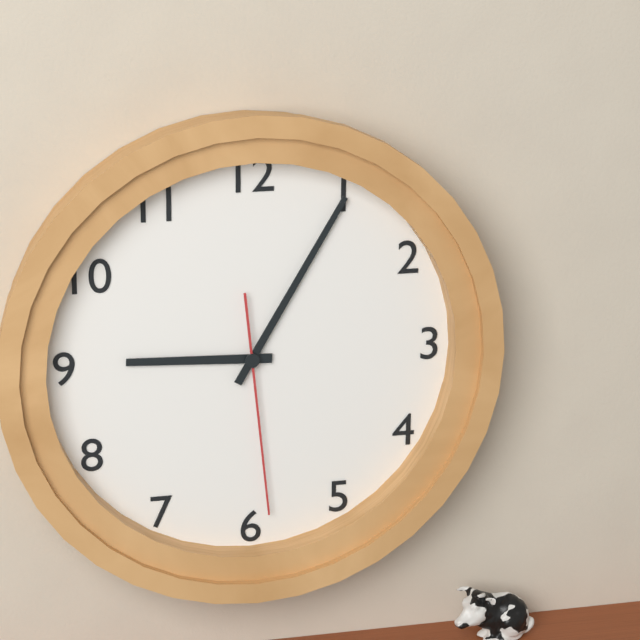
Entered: {"hour": 9, "minute": 5, "second": 29}
